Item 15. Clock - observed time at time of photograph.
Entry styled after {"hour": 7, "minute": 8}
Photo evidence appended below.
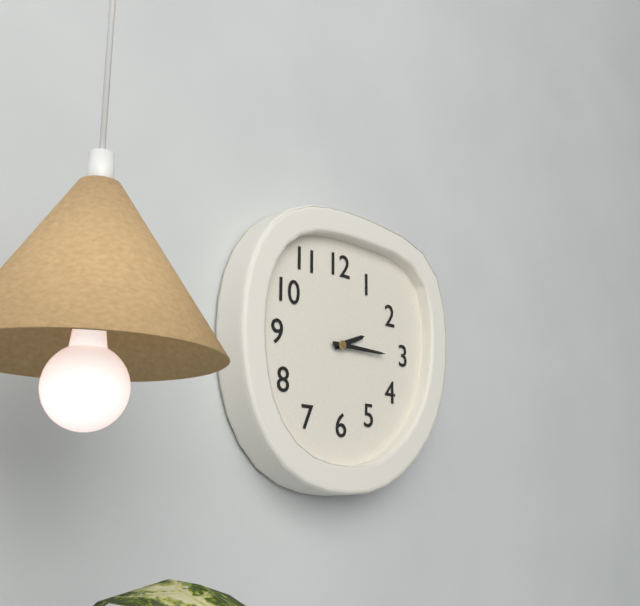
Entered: {"hour": 2, "minute": 15}
